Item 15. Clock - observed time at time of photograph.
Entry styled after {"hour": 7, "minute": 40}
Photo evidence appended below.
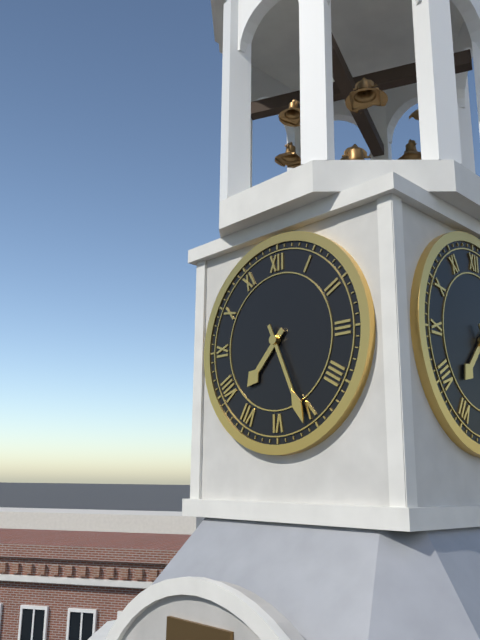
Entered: {"hour": 7, "minute": 26}
